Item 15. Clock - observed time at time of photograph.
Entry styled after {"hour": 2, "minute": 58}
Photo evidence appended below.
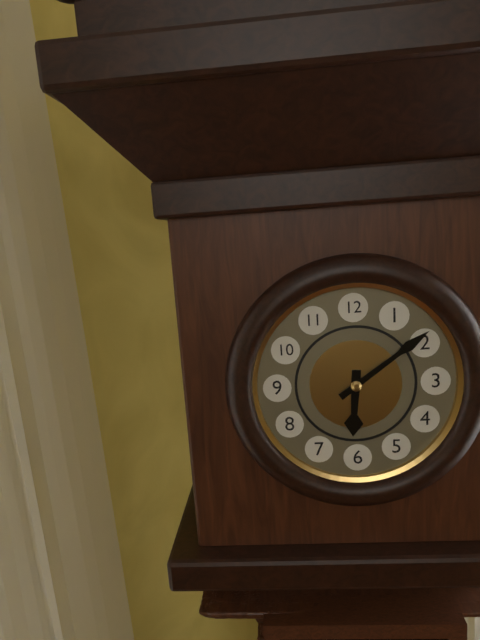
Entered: {"hour": 6, "minute": 9}
